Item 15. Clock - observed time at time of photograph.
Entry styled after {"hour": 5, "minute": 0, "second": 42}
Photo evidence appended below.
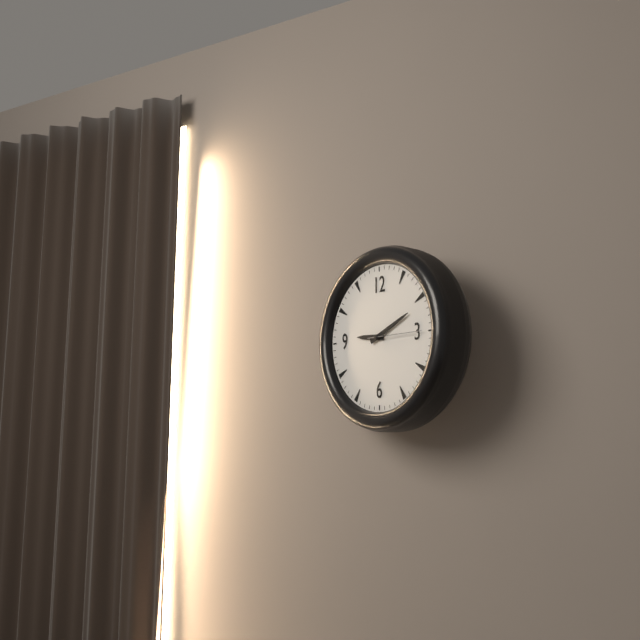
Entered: {"hour": 9, "minute": 11, "second": 15}
